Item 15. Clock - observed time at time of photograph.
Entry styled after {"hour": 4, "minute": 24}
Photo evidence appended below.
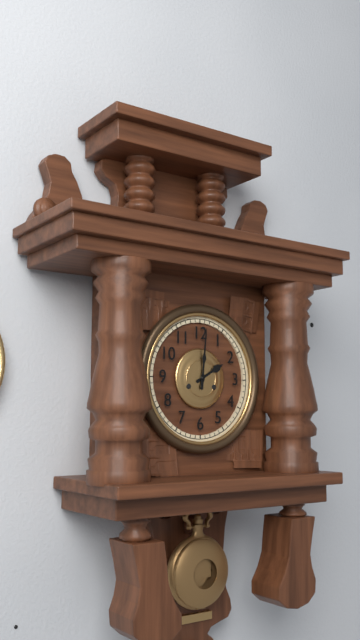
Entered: {"hour": 2, "minute": 1}
